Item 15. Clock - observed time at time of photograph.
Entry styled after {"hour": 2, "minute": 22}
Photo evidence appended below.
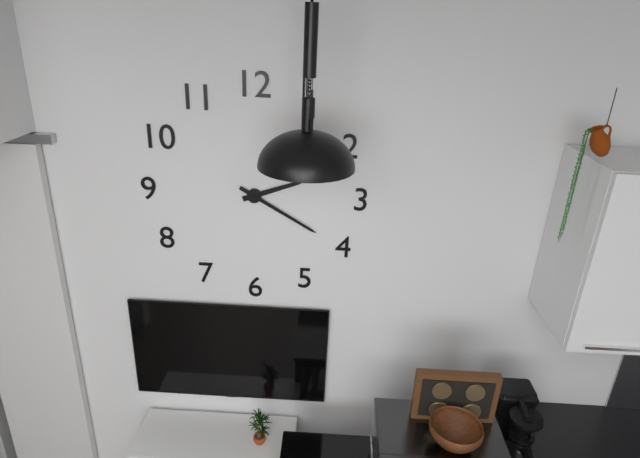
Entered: {"hour": 2, "minute": 20}
